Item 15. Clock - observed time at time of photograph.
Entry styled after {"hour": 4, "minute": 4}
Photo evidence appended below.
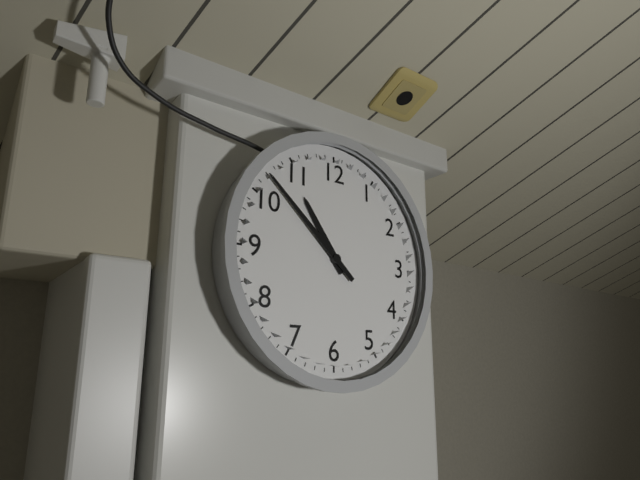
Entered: {"hour": 10, "minute": 52}
